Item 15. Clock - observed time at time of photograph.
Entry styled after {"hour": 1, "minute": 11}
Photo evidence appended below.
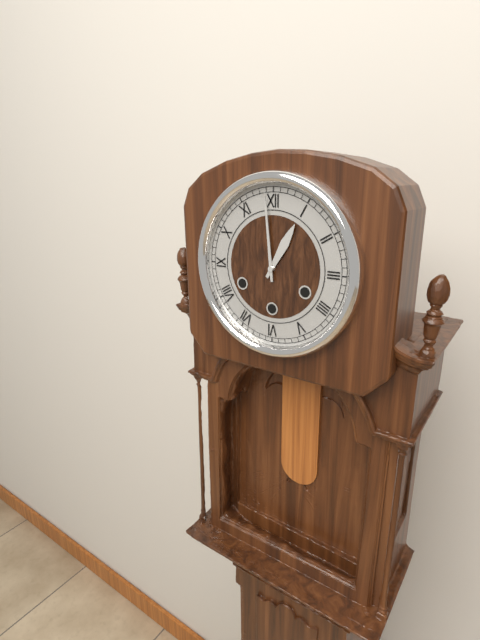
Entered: {"hour": 12, "minute": 59}
